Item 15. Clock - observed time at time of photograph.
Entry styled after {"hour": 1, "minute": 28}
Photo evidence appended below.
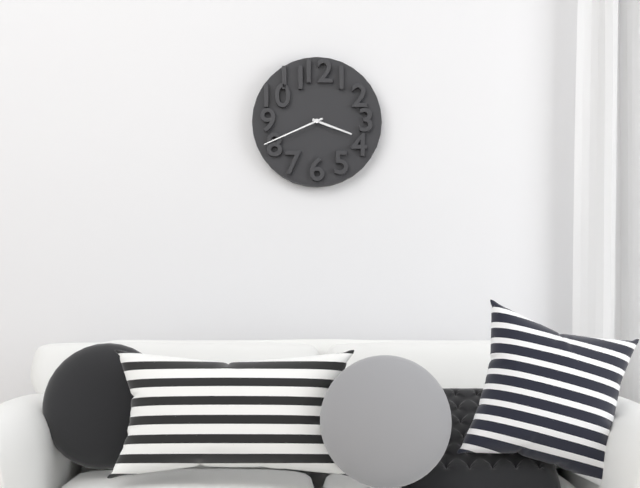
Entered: {"hour": 3, "minute": 41}
